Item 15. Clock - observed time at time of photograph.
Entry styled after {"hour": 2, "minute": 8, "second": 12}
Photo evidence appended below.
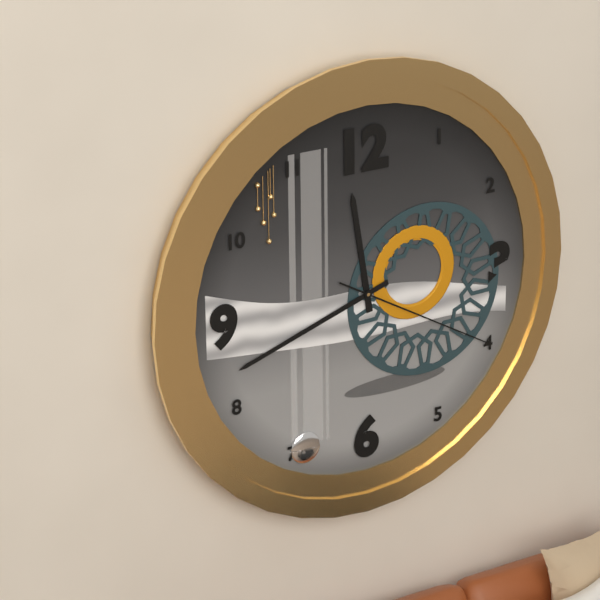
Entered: {"hour": 11, "minute": 42, "second": 20}
